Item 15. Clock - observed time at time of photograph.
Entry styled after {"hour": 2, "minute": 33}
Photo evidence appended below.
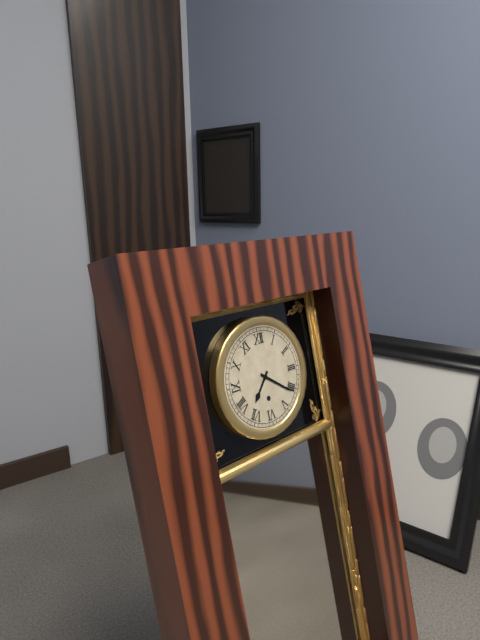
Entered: {"hour": 7, "minute": 21}
